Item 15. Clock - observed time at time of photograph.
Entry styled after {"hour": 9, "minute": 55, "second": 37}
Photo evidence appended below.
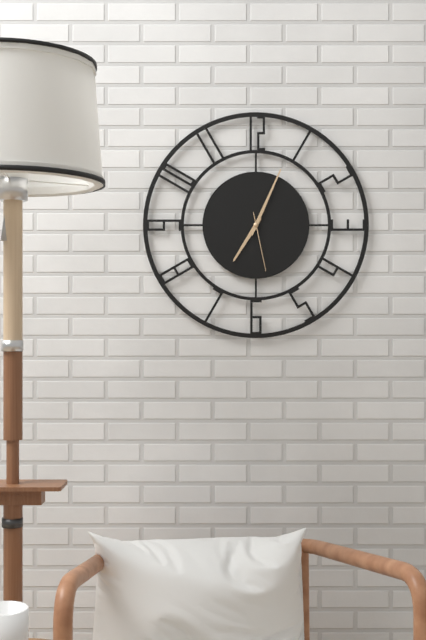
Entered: {"hour": 7, "minute": 4, "second": 28}
